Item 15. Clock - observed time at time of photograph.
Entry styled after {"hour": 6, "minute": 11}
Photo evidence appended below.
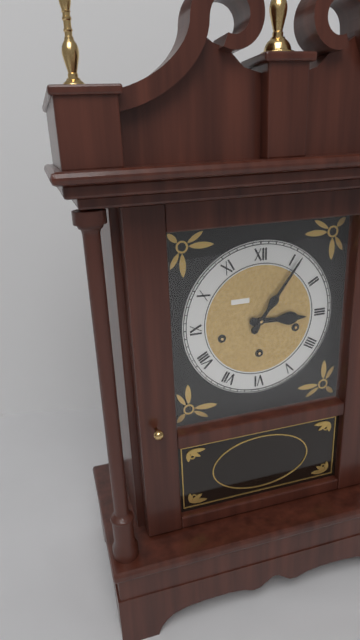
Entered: {"hour": 3, "minute": 6}
